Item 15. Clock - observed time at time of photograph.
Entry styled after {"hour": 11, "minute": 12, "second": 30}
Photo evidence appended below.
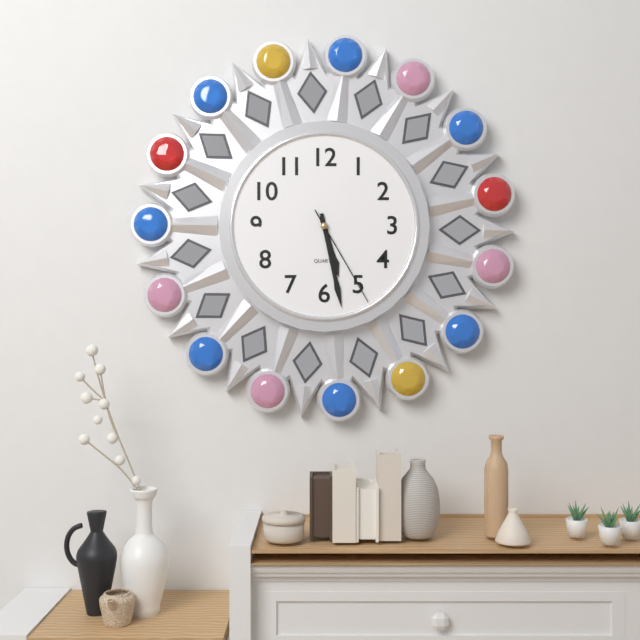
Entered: {"hour": 5, "minute": 28, "second": 25}
